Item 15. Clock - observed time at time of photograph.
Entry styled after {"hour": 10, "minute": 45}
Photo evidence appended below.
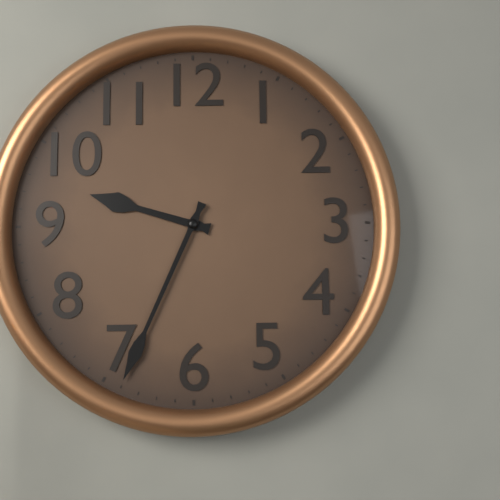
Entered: {"hour": 9, "minute": 34}
